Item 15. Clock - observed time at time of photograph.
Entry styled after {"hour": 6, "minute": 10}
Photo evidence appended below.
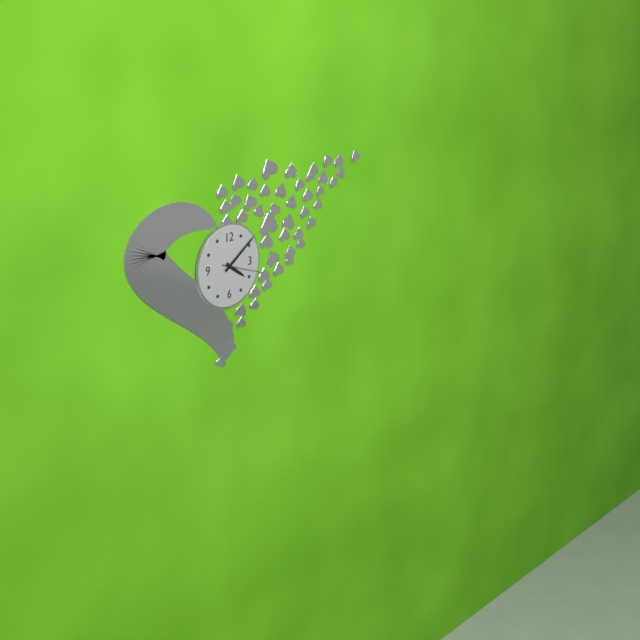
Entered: {"hour": 4, "minute": 9}
